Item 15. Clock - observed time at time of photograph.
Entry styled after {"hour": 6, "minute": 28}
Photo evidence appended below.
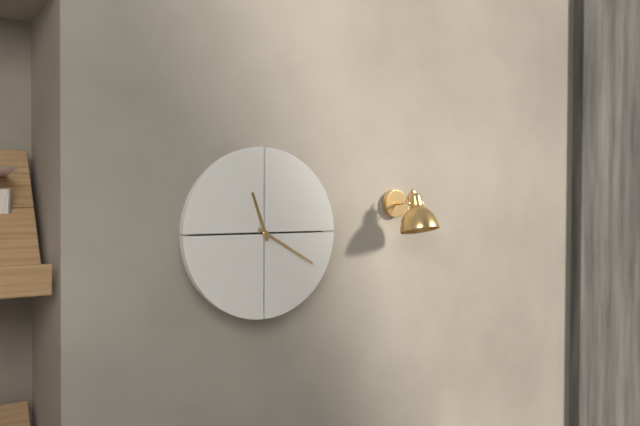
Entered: {"hour": 11, "minute": 20}
